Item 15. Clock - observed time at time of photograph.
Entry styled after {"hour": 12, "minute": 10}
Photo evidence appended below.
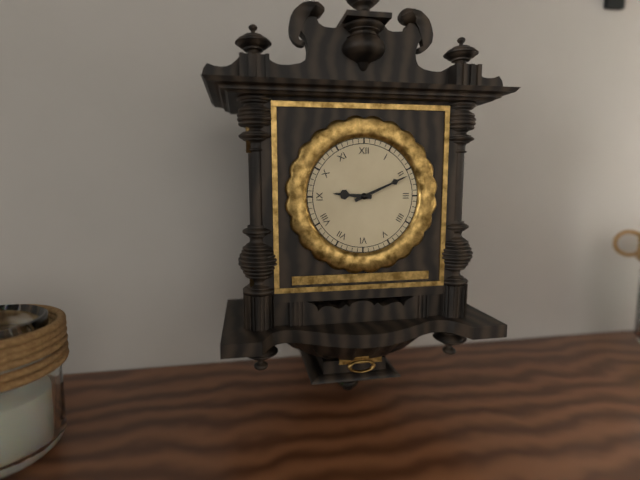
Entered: {"hour": 9, "minute": 11}
